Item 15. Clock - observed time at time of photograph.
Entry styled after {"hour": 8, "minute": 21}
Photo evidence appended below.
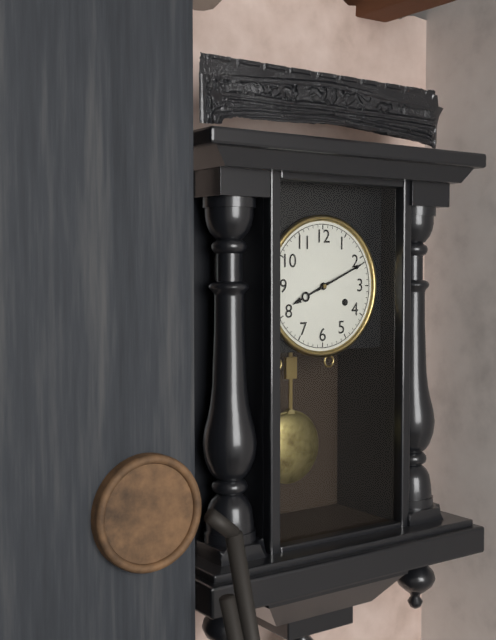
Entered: {"hour": 8, "minute": 11}
